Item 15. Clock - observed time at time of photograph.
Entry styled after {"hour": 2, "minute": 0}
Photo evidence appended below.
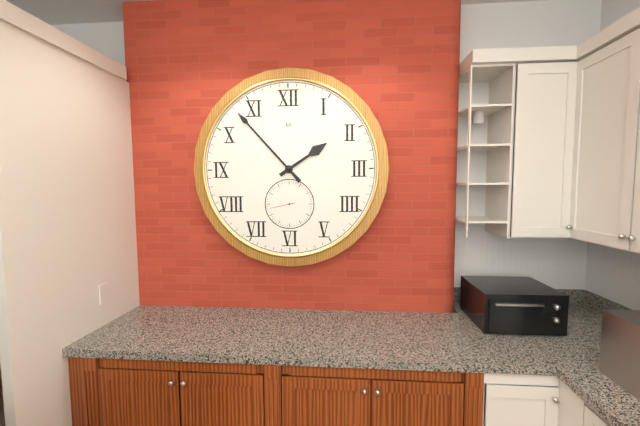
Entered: {"hour": 1, "minute": 53}
